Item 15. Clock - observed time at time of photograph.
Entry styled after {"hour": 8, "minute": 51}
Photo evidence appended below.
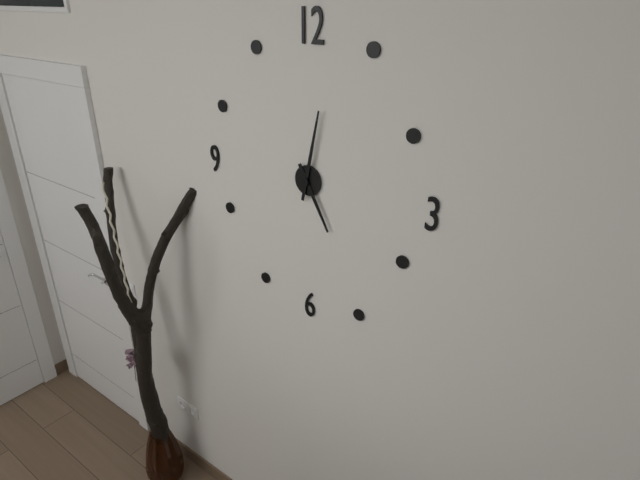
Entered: {"hour": 5, "minute": 2}
